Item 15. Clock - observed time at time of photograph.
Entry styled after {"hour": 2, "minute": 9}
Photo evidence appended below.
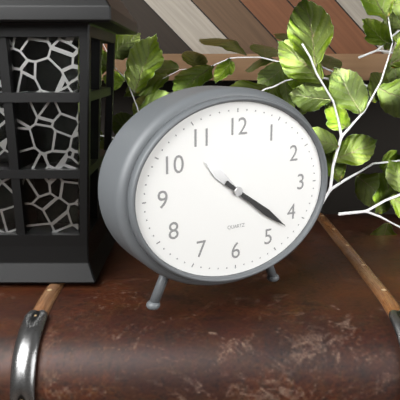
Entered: {"hour": 10, "minute": 21}
